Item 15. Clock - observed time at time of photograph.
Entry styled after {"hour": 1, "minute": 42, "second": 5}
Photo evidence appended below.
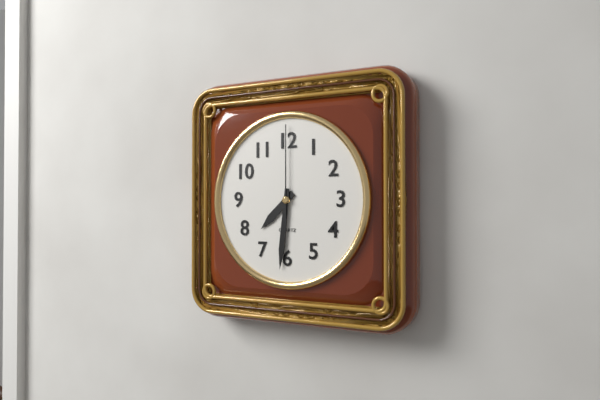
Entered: {"hour": 7, "minute": 31, "second": 0}
